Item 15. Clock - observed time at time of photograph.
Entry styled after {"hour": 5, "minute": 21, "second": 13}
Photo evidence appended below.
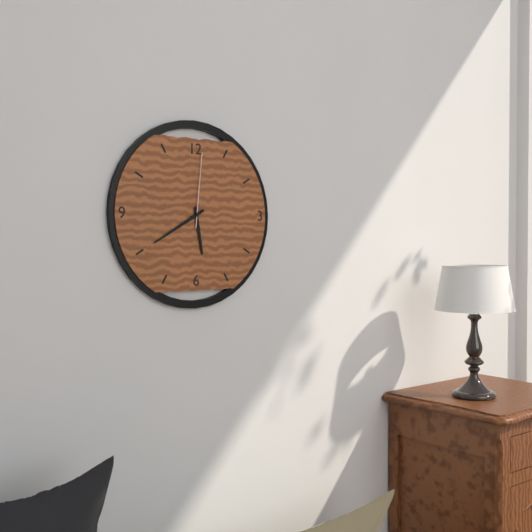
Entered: {"hour": 5, "minute": 40, "second": 1}
